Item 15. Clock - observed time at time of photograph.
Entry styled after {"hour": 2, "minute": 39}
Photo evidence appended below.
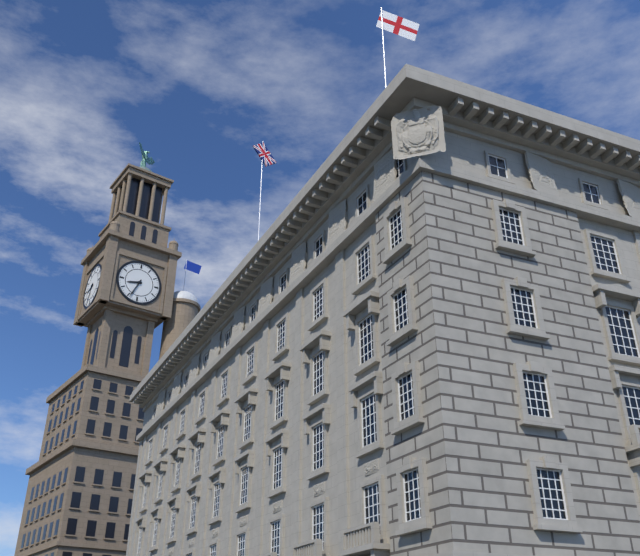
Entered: {"hour": 8, "minute": 34}
